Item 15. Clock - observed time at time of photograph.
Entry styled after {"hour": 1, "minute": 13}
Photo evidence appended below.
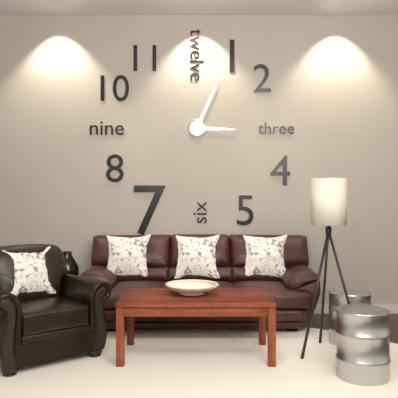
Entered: {"hour": 3, "minute": 4}
